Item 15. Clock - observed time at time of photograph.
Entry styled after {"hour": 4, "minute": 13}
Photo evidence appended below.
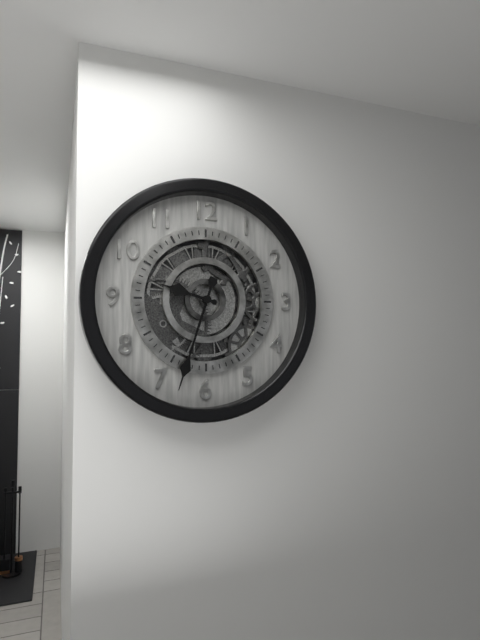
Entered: {"hour": 9, "minute": 33}
